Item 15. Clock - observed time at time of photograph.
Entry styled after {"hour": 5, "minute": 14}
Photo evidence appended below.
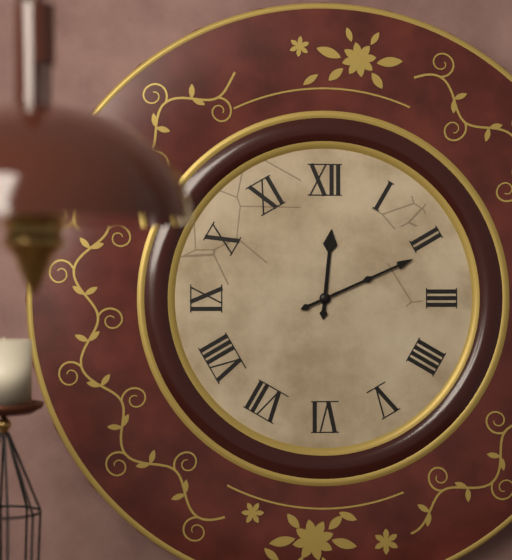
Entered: {"hour": 12, "minute": 11}
